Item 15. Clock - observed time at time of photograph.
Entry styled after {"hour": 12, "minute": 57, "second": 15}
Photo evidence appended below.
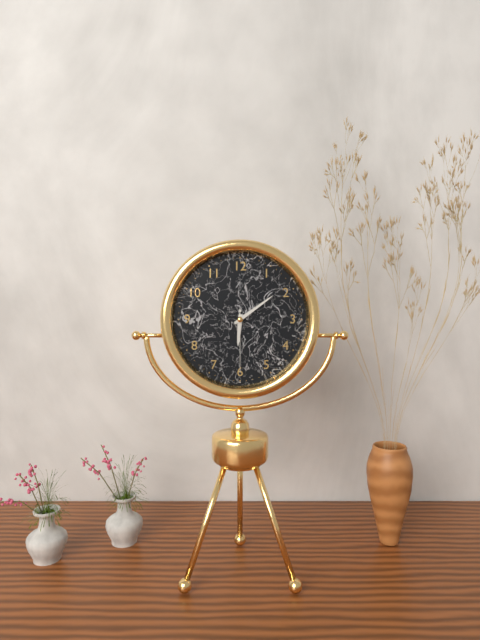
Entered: {"hour": 6, "minute": 9, "second": 30}
